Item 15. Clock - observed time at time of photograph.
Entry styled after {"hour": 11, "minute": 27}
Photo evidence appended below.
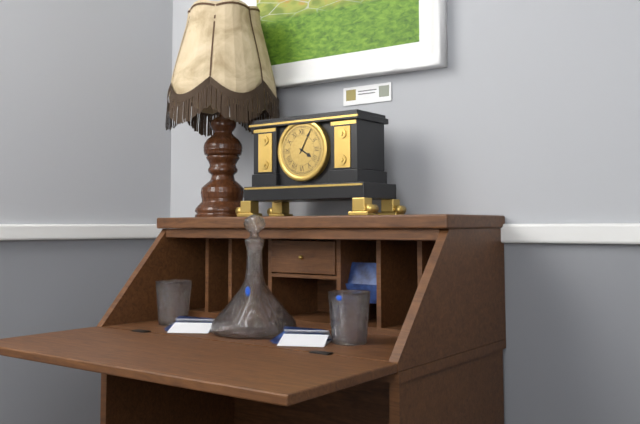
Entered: {"hour": 4, "minute": 5}
